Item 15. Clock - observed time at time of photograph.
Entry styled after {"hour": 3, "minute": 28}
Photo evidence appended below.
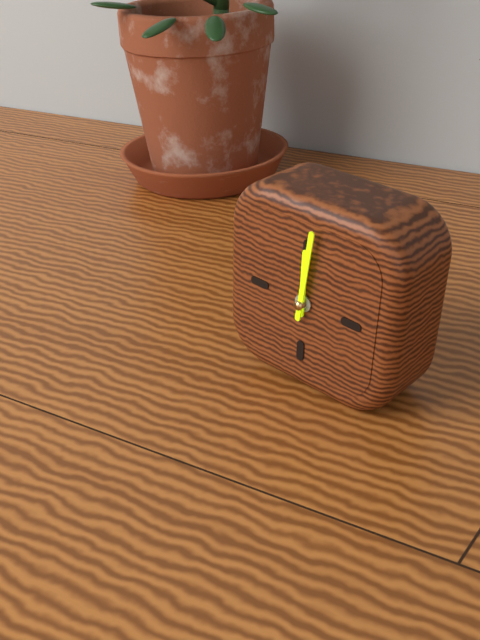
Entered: {"hour": 12, "minute": 1}
